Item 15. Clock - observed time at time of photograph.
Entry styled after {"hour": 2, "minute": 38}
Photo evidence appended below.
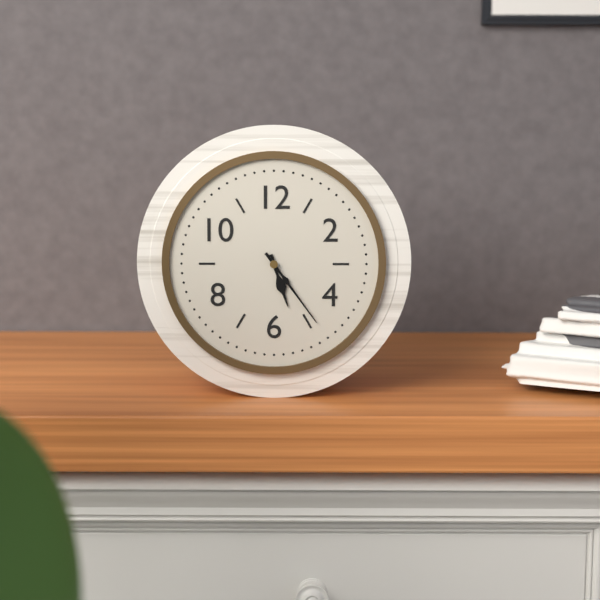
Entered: {"hour": 5, "minute": 24}
